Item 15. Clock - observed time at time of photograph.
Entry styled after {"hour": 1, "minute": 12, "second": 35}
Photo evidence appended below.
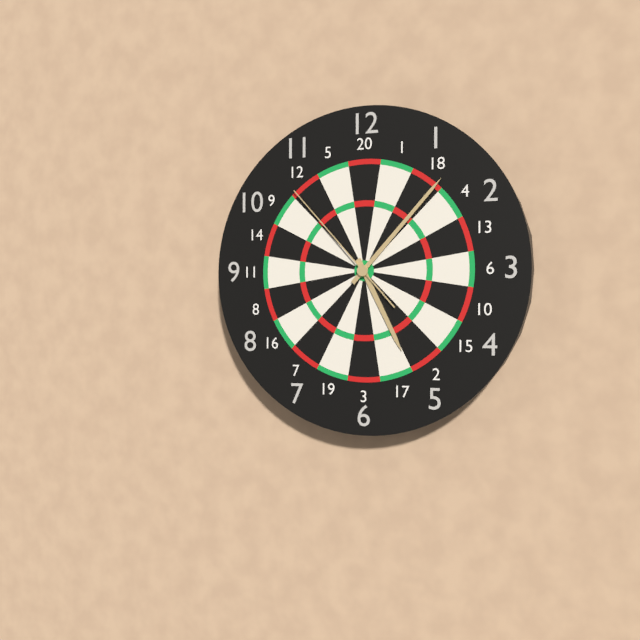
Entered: {"hour": 5, "minute": 7, "second": 53}
